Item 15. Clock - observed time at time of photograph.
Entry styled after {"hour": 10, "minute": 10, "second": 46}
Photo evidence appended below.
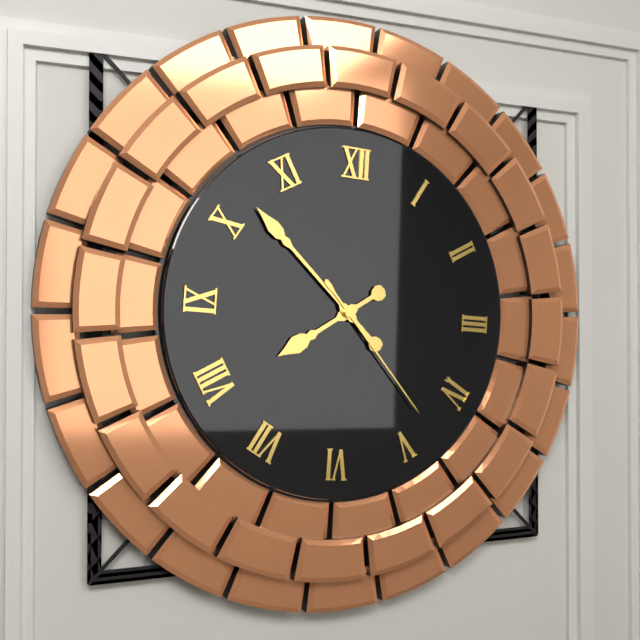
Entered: {"hour": 7, "minute": 52, "second": 23}
